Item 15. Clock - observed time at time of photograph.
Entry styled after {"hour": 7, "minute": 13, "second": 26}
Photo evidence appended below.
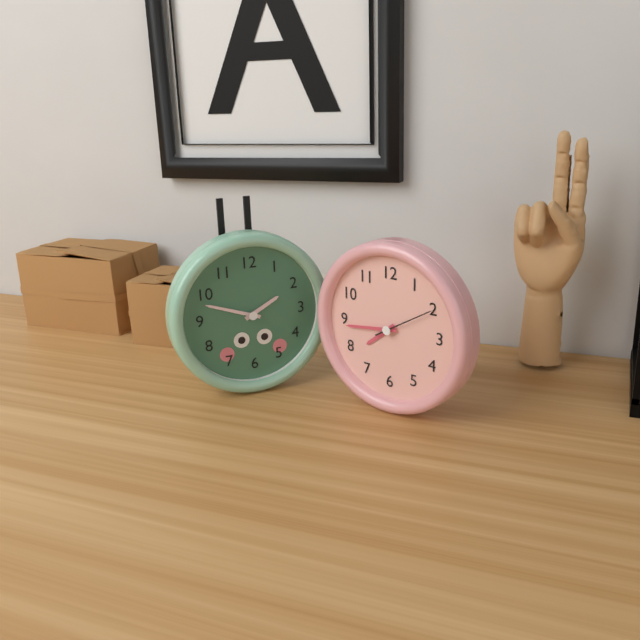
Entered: {"hour": 7, "minute": 44, "second": 10}
